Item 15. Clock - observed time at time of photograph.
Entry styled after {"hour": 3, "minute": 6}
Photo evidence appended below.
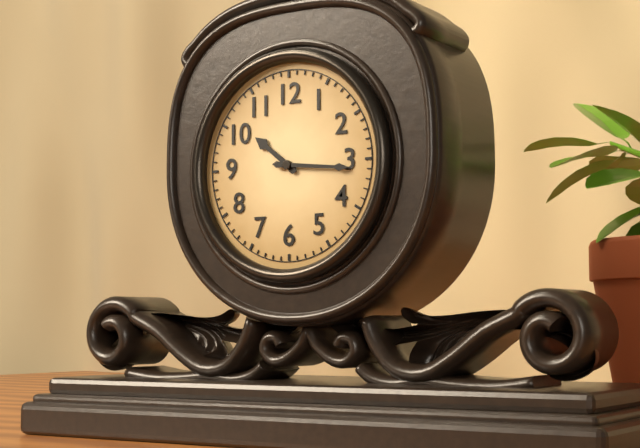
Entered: {"hour": 10, "minute": 16}
